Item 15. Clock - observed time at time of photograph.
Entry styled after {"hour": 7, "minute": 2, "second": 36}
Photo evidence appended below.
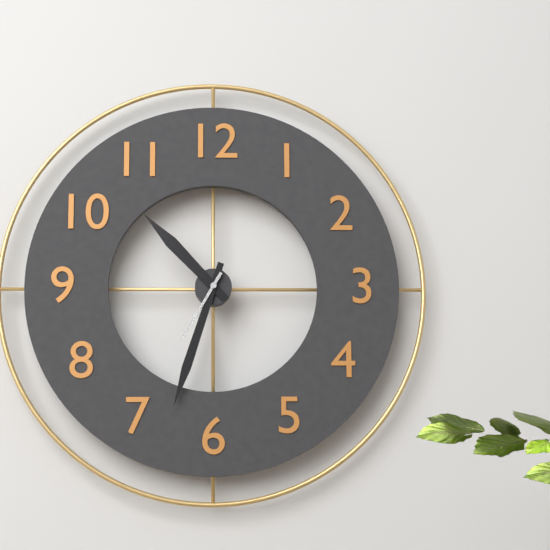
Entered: {"hour": 10, "minute": 33, "second": 35}
